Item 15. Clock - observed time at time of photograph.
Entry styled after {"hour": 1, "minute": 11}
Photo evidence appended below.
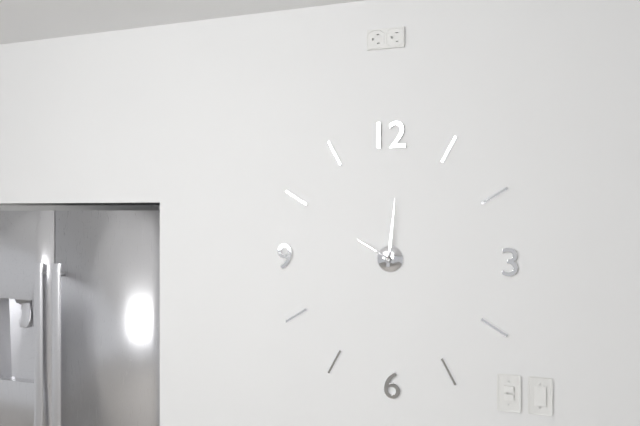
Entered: {"hour": 10, "minute": 1}
